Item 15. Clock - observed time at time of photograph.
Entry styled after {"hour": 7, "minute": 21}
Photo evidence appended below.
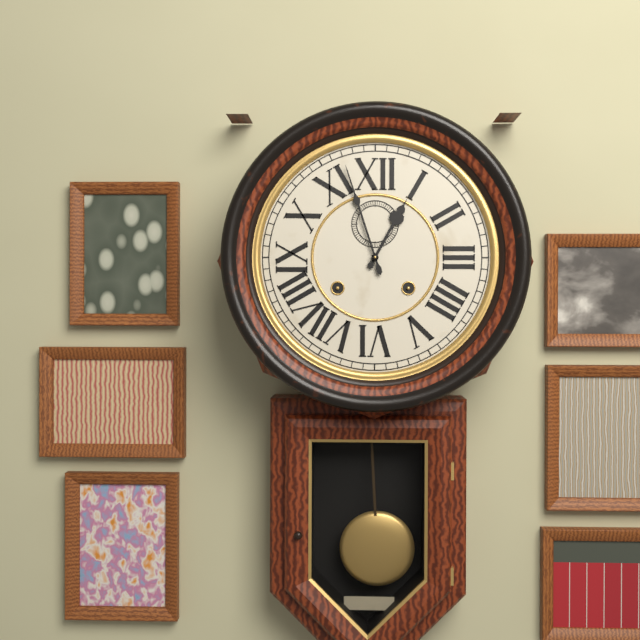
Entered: {"hour": 12, "minute": 57}
